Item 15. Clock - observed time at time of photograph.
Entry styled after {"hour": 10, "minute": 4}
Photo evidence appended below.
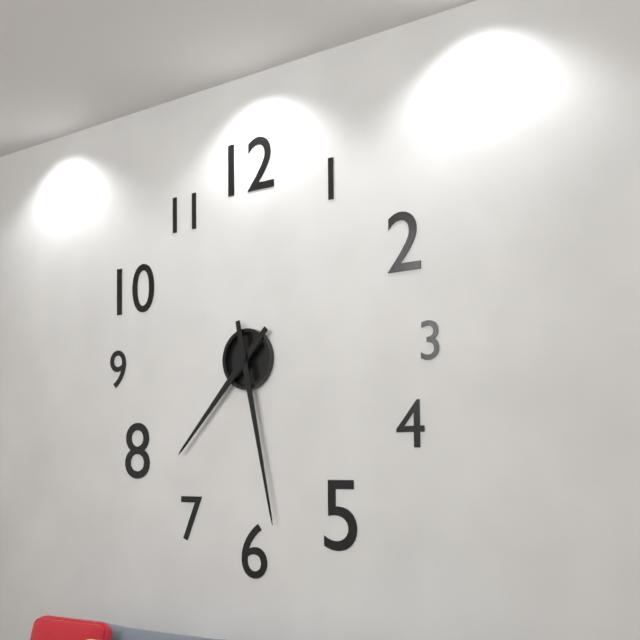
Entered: {"hour": 7, "minute": 28}
